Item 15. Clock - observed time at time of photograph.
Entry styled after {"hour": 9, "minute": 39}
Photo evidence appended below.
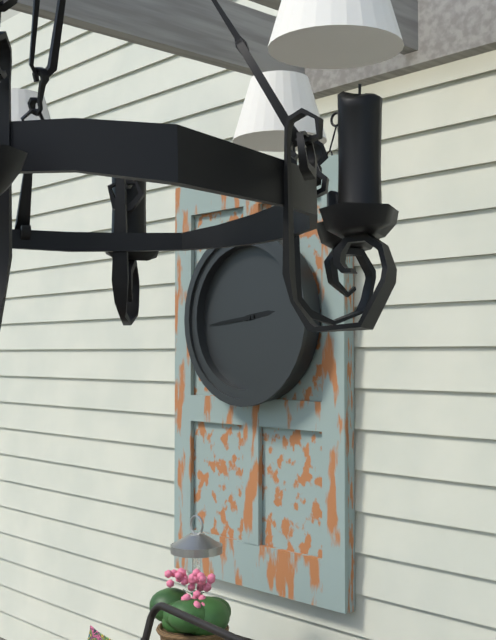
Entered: {"hour": 2, "minute": 44}
